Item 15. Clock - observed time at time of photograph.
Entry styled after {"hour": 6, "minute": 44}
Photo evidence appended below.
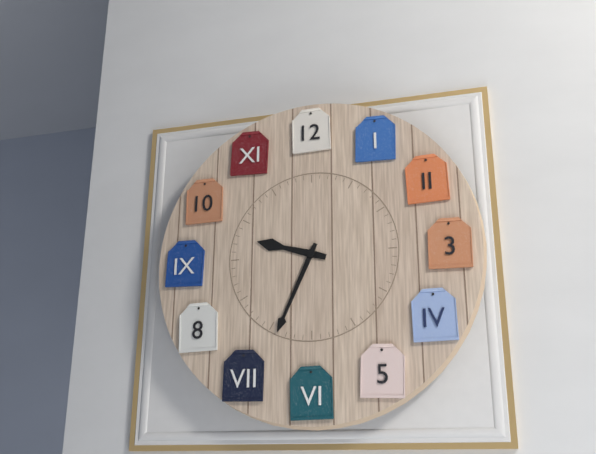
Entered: {"hour": 9, "minute": 34}
